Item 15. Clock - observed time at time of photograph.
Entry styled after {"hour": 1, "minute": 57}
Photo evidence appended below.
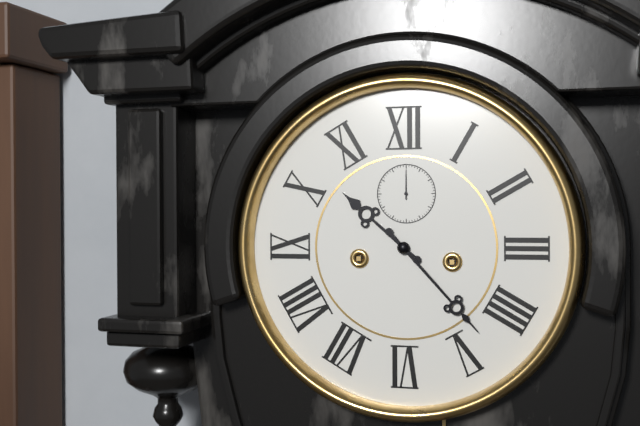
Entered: {"hour": 10, "minute": 23}
